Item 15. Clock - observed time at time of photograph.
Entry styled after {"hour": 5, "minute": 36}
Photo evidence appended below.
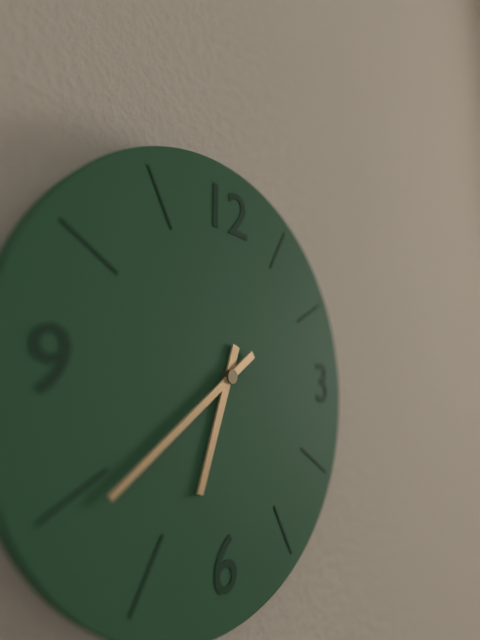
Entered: {"hour": 6, "minute": 39}
